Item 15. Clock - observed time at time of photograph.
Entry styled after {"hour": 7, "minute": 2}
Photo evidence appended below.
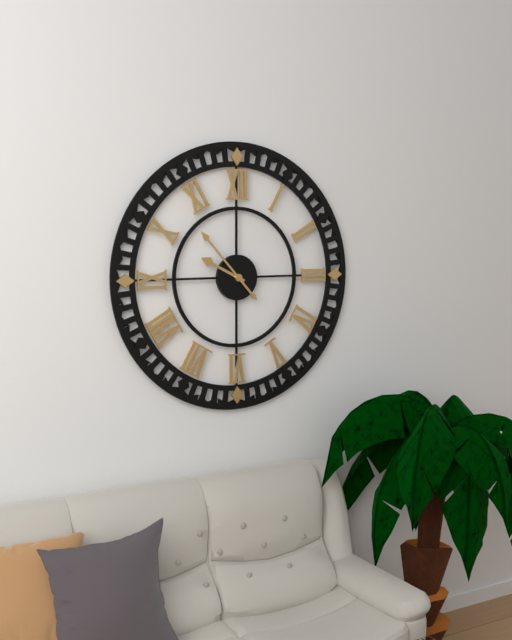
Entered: {"hour": 9, "minute": 53}
